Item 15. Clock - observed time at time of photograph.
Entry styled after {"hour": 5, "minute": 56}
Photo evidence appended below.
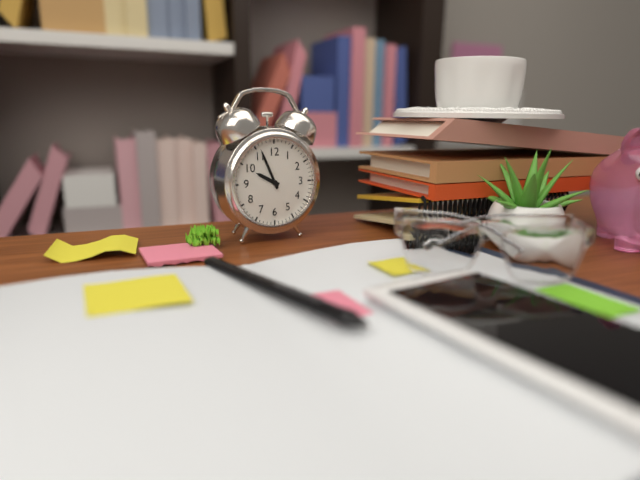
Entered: {"hour": 9, "minute": 56}
